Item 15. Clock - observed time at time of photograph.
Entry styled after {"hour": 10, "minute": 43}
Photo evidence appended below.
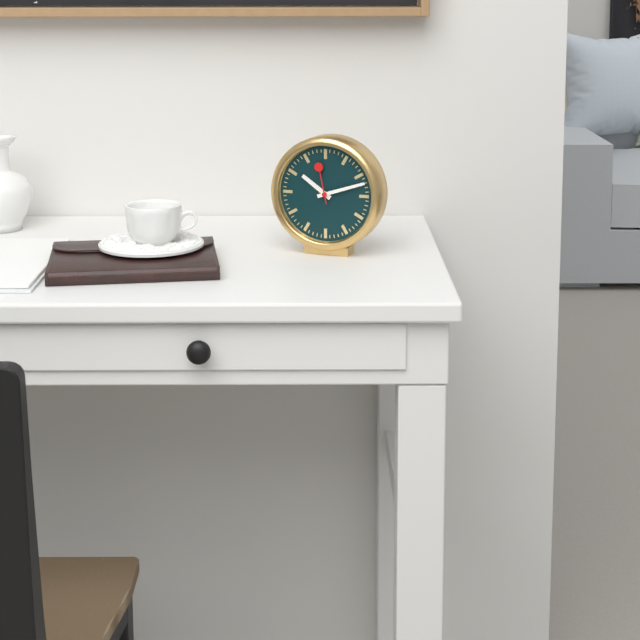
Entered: {"hour": 10, "minute": 12}
